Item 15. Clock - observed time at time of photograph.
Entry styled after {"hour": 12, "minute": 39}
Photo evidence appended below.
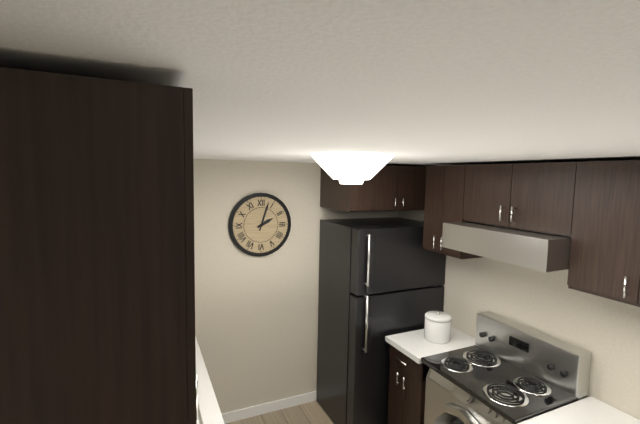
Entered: {"hour": 2, "minute": 3}
